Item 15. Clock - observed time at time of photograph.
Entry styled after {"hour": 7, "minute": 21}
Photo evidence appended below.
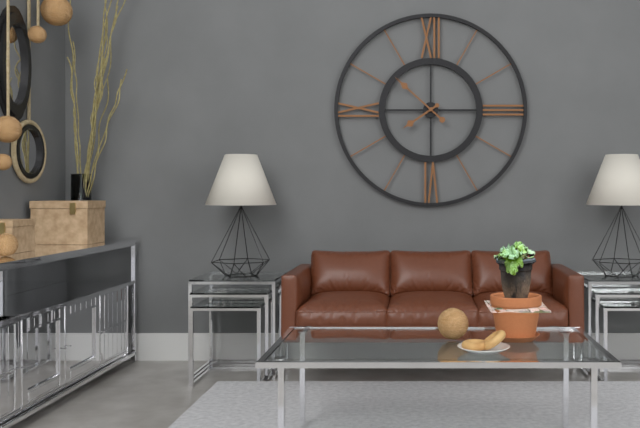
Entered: {"hour": 7, "minute": 52}
